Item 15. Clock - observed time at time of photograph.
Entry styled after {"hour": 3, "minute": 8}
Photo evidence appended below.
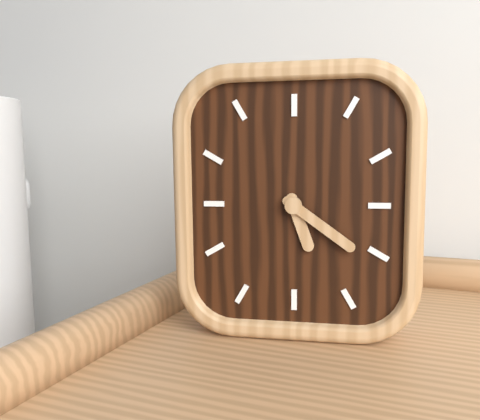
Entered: {"hour": 5, "minute": 21}
